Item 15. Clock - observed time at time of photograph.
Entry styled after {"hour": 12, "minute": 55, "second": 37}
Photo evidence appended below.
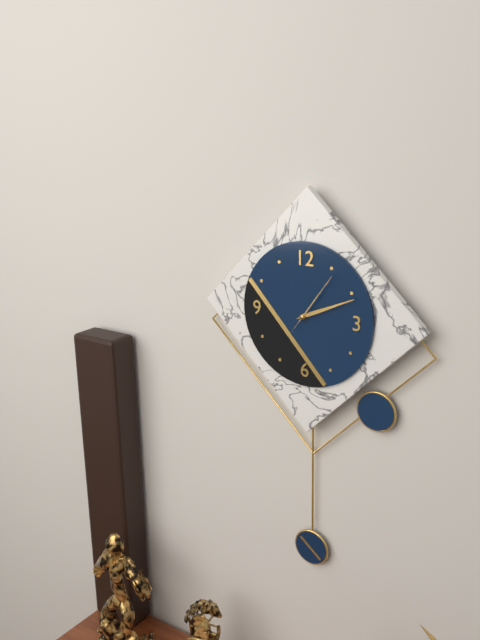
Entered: {"hour": 2, "minute": 11, "second": 6}
